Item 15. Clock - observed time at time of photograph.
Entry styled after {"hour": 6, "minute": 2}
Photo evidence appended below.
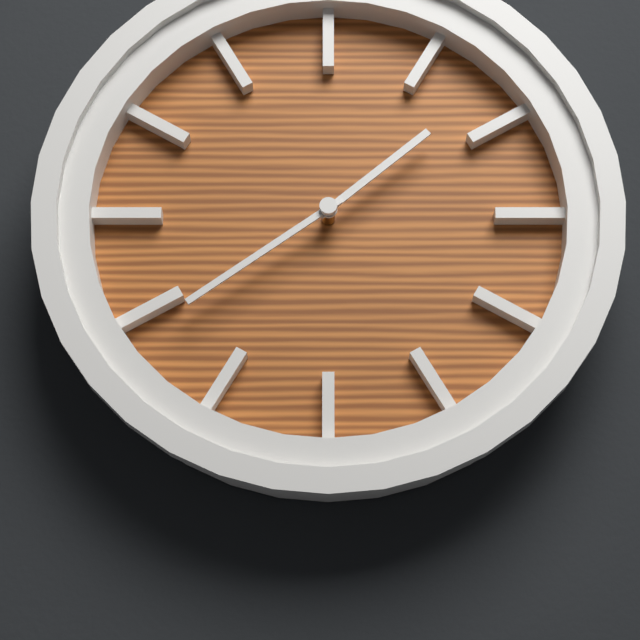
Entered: {"hour": 1, "minute": 39}
